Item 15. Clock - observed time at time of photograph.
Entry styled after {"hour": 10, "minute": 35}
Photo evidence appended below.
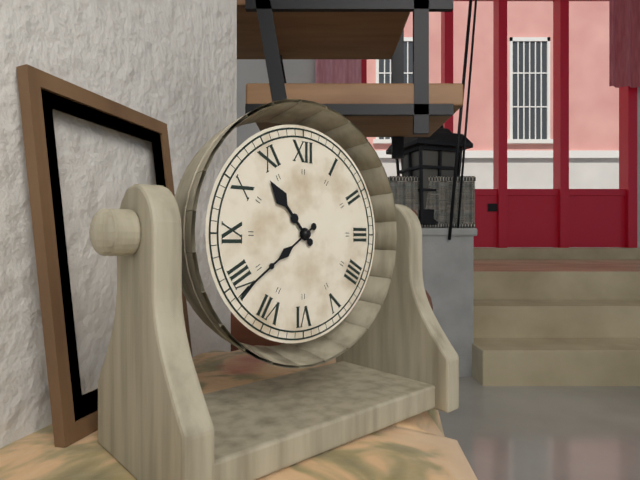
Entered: {"hour": 10, "minute": 39}
